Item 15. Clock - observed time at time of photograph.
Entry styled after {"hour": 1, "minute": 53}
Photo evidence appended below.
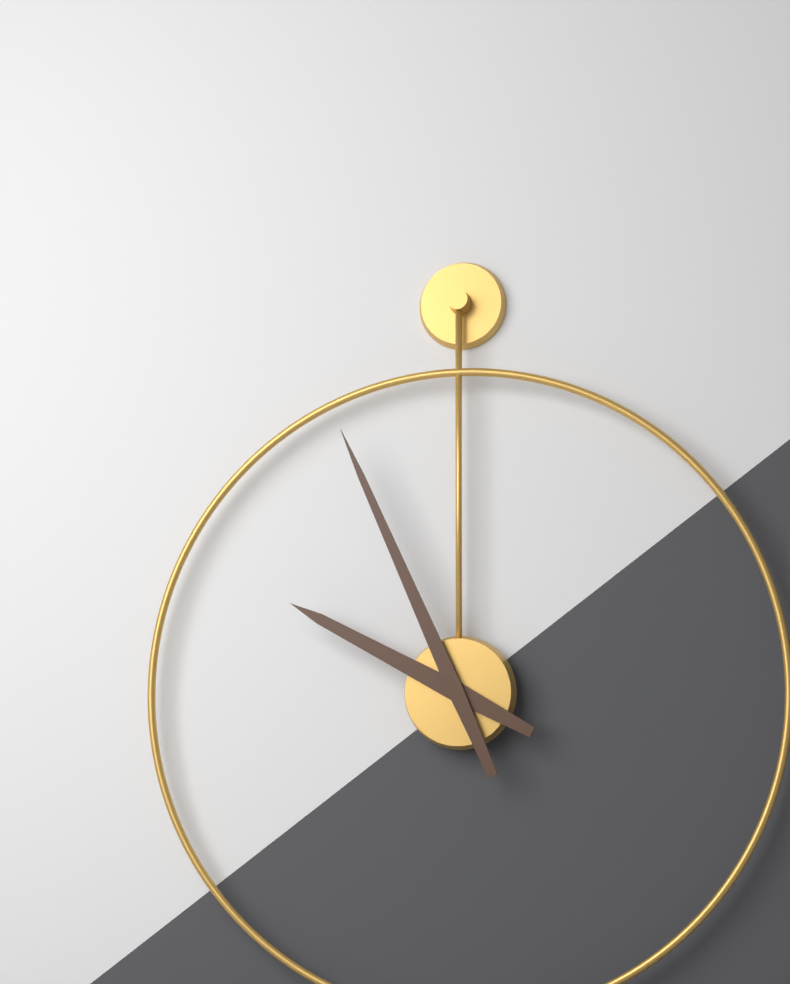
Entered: {"hour": 9, "minute": 56}
